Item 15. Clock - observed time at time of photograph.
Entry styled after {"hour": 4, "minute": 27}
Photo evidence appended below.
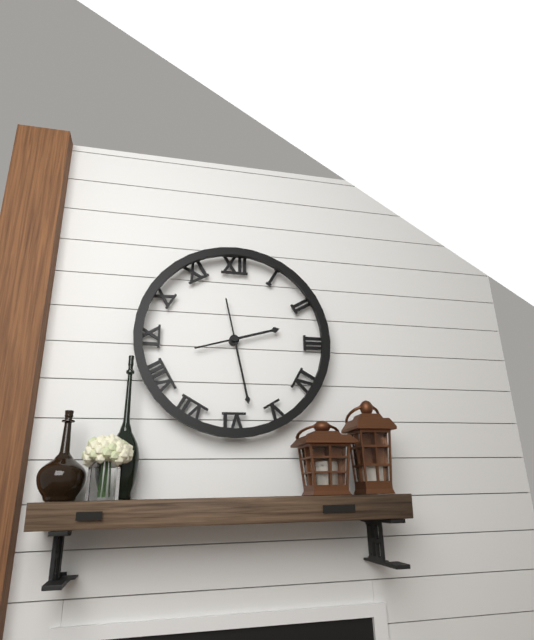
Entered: {"hour": 2, "minute": 28}
